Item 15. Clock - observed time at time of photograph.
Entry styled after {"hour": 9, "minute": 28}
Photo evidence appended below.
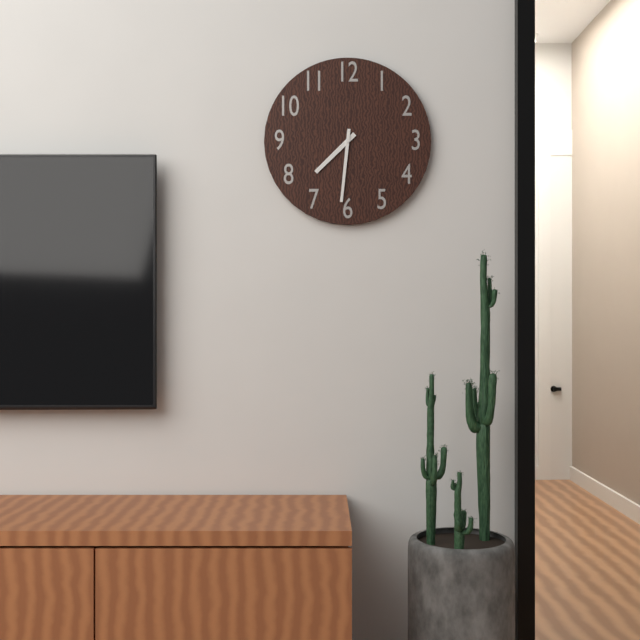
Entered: {"hour": 7, "minute": 31}
